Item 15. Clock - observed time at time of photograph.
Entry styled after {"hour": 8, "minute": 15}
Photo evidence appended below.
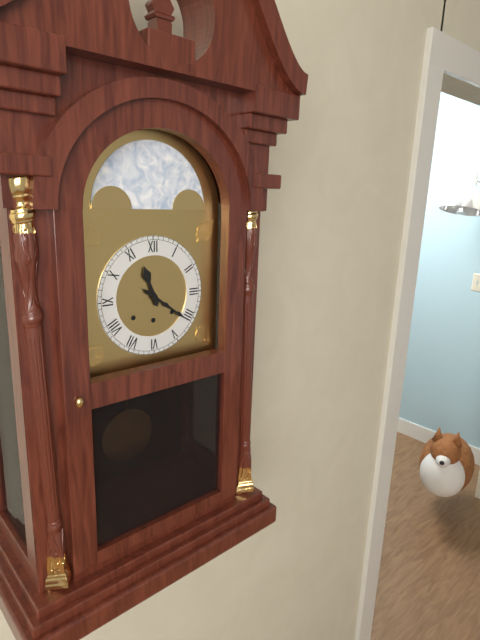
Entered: {"hour": 11, "minute": 21}
